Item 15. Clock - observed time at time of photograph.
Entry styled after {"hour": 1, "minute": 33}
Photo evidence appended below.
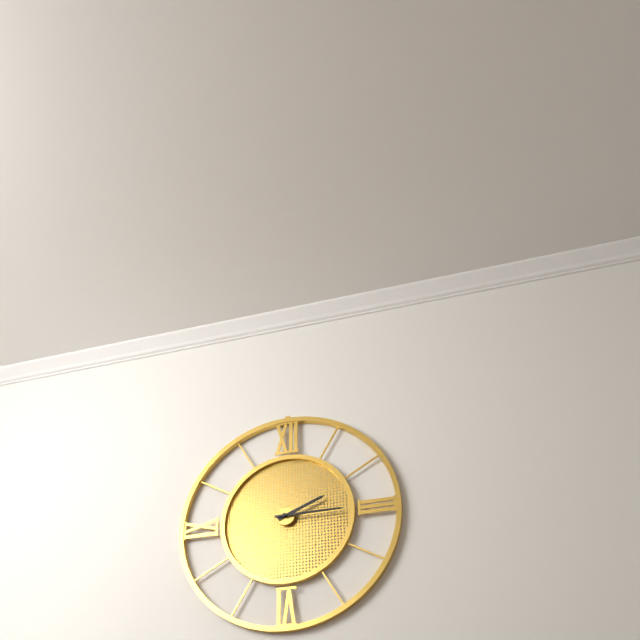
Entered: {"hour": 2, "minute": 15}
